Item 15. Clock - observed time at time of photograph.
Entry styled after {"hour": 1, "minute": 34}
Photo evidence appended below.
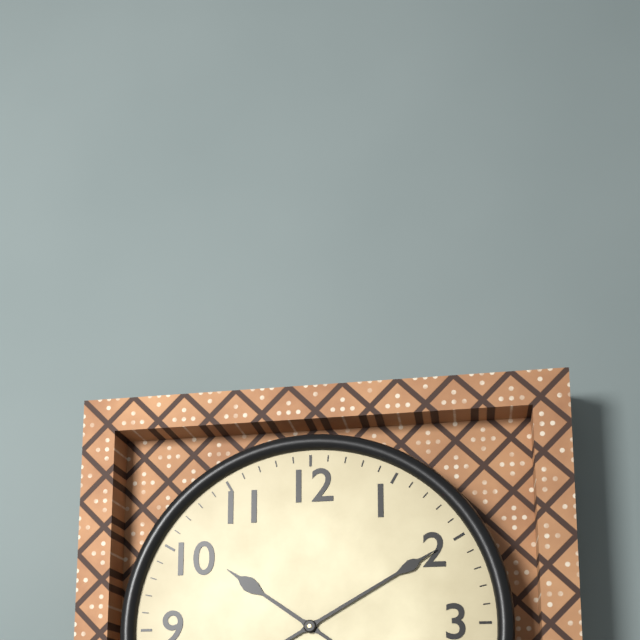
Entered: {"hour": 10, "minute": 10}
